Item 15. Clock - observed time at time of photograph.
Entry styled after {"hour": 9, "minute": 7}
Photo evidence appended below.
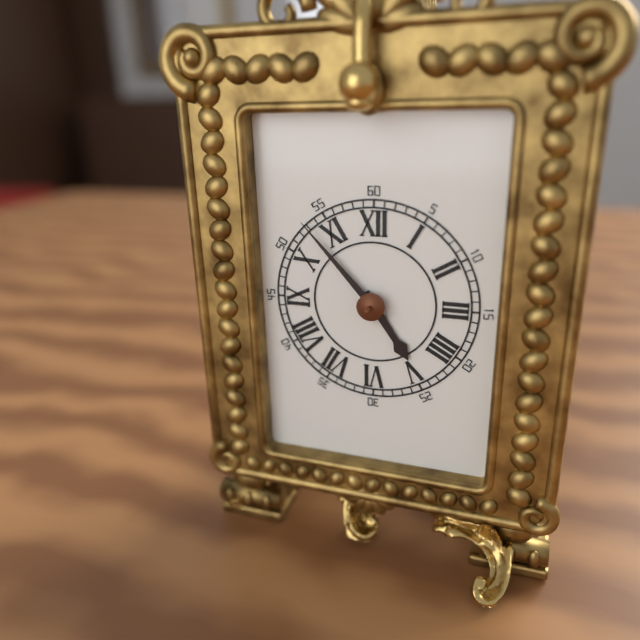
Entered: {"hour": 4, "minute": 53}
